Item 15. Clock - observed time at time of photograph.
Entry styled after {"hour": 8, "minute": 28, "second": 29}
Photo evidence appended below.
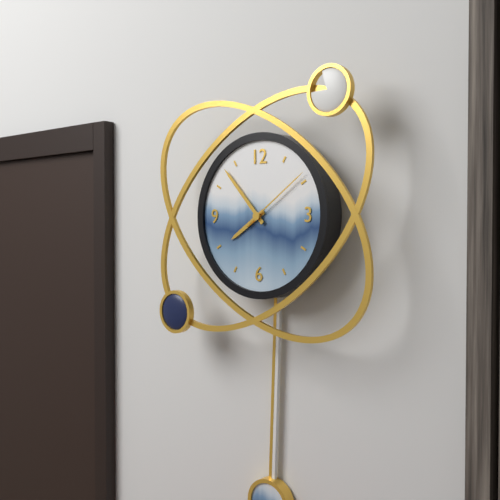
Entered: {"hour": 7, "minute": 53, "second": 9}
